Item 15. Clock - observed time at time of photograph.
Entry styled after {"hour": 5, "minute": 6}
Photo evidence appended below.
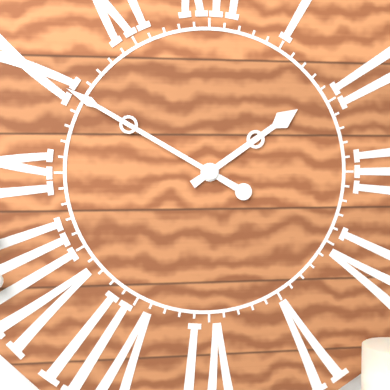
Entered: {"hour": 1, "minute": 50}
